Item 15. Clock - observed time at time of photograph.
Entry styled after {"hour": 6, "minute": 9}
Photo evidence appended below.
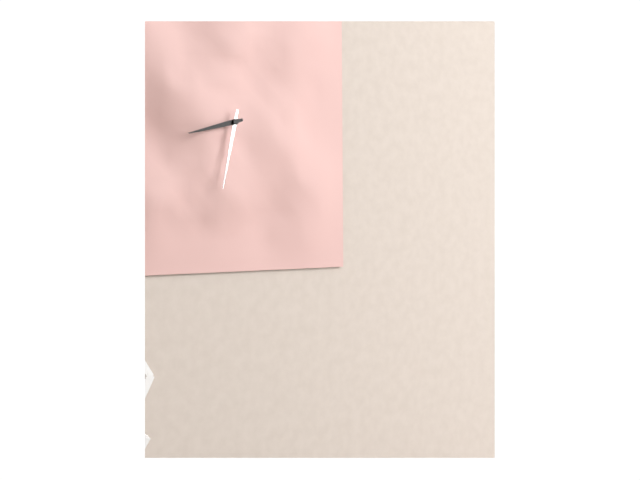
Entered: {"hour": 8, "minute": 32}
